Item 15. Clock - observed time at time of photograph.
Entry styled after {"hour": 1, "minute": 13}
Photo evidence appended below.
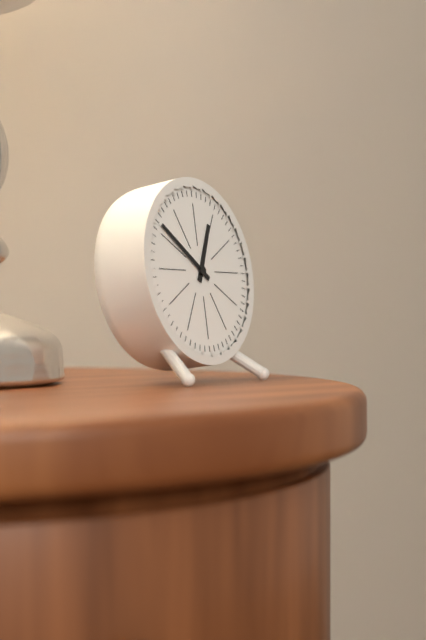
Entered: {"hour": 12, "minute": 51}
